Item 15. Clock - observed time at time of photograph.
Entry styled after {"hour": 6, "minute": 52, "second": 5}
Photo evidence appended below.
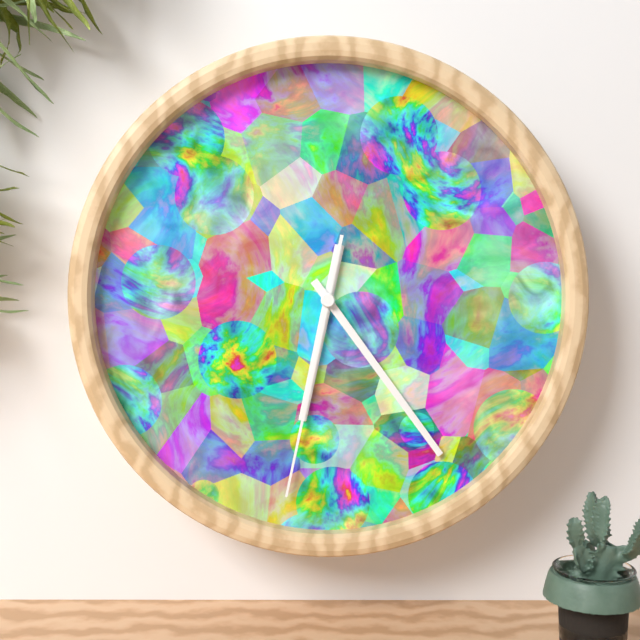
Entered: {"hour": 6, "minute": 24, "second": 32}
